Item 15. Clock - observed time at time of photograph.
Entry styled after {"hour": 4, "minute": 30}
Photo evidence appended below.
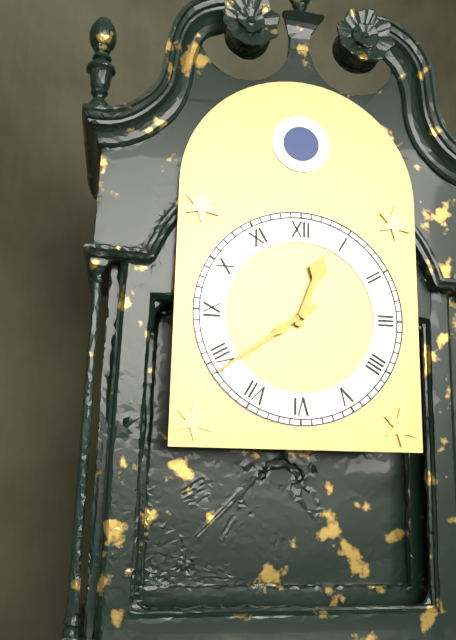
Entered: {"hour": 12, "minute": 39}
